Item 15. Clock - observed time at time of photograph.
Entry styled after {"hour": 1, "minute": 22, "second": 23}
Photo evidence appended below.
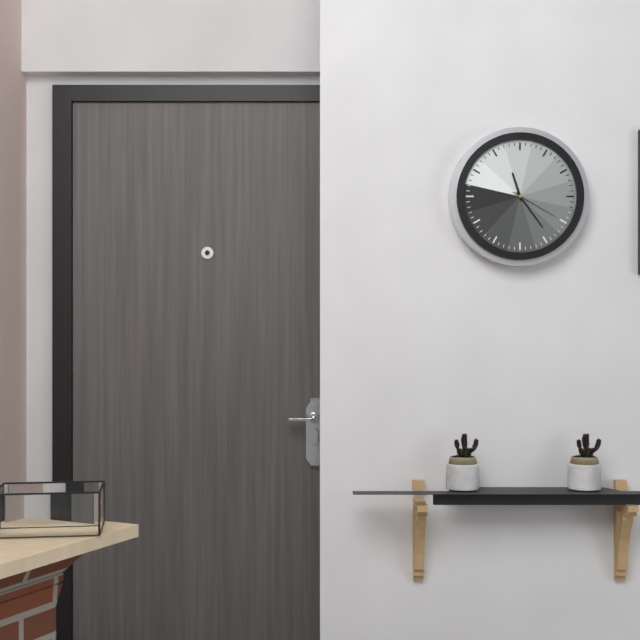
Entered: {"hour": 11, "minute": 24, "second": 20}
